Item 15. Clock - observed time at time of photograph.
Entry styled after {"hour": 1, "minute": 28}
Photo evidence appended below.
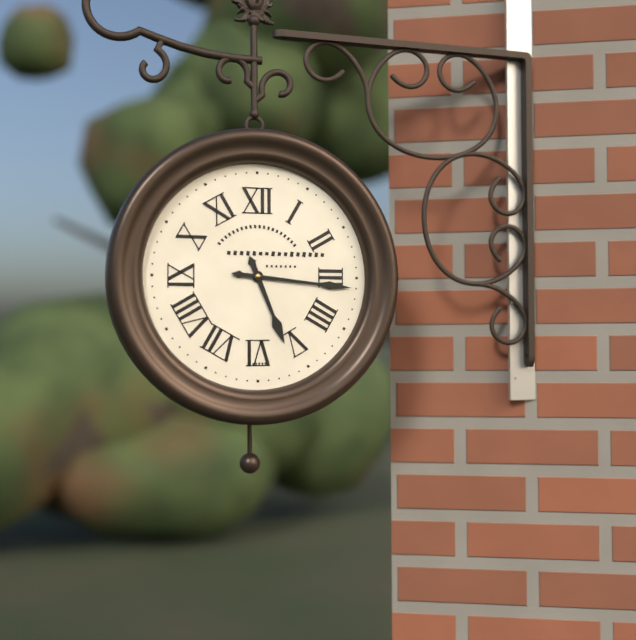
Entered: {"hour": 5, "minute": 16}
